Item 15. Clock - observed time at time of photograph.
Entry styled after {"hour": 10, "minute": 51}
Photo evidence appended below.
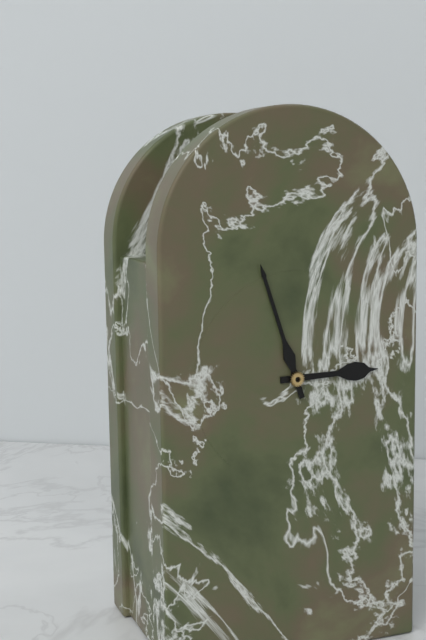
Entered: {"hour": 2, "minute": 57}
